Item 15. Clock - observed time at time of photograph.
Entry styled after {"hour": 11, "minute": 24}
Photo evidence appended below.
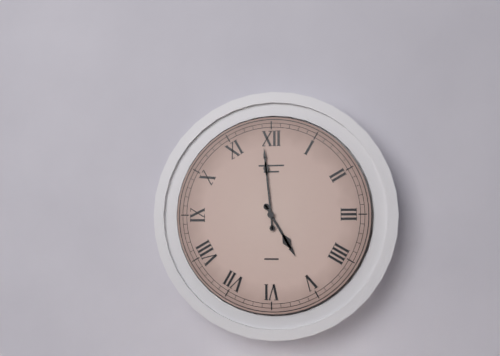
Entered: {"hour": 4, "minute": 59}
